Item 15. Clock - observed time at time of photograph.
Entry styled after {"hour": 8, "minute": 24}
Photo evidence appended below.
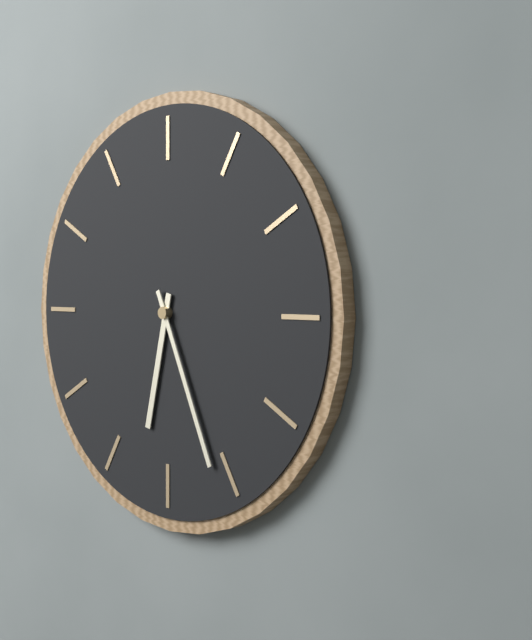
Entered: {"hour": 6, "minute": 26}
